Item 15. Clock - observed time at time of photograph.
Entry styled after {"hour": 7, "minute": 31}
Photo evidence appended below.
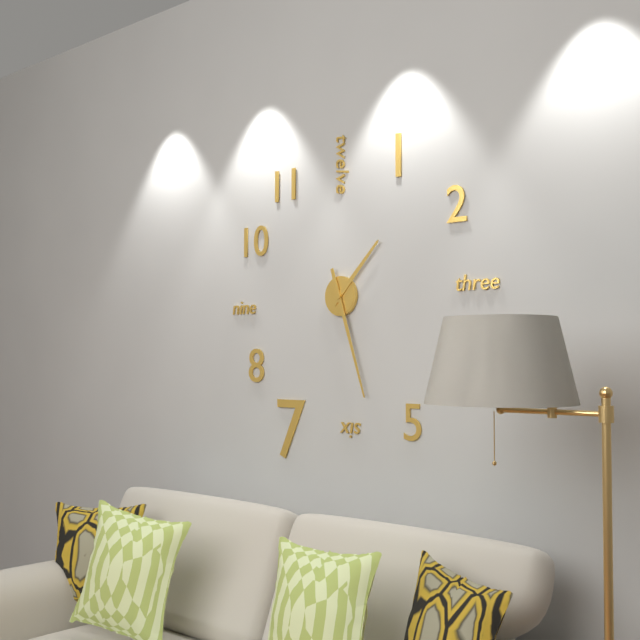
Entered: {"hour": 1, "minute": 27}
